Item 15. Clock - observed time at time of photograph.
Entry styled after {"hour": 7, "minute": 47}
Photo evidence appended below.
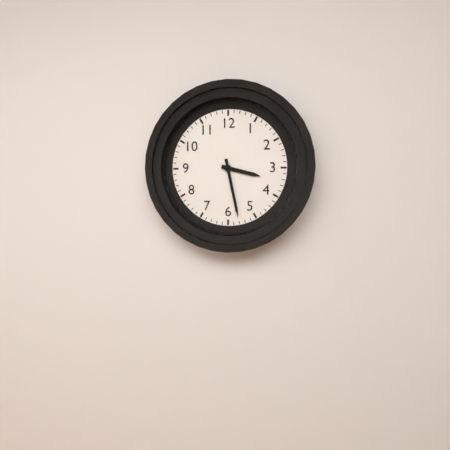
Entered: {"hour": 3, "minute": 28}
